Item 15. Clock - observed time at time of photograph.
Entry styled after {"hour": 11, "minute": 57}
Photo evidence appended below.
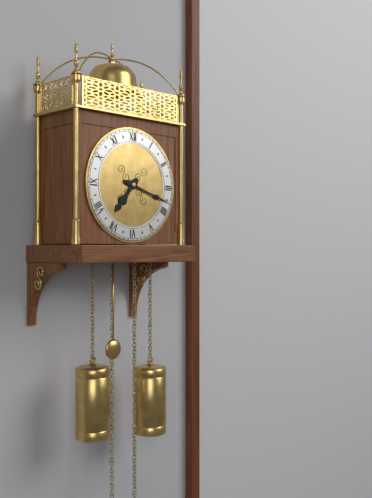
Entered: {"hour": 7, "minute": 18}
